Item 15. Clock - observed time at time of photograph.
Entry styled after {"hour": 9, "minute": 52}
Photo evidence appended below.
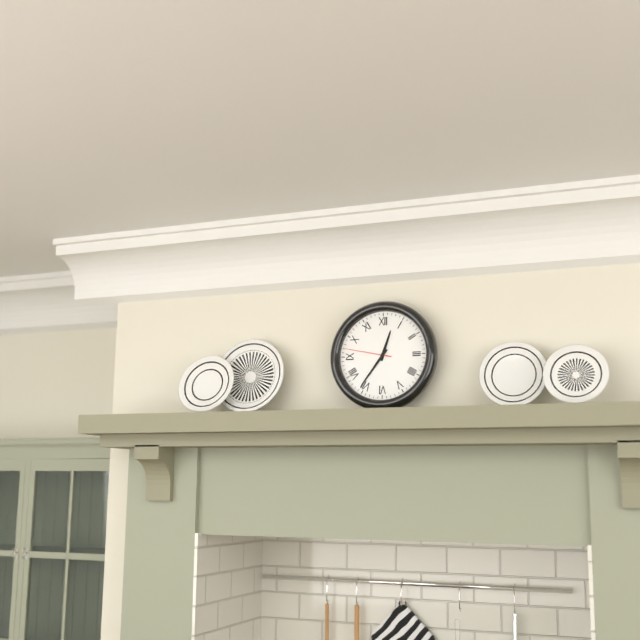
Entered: {"hour": 12, "minute": 36}
